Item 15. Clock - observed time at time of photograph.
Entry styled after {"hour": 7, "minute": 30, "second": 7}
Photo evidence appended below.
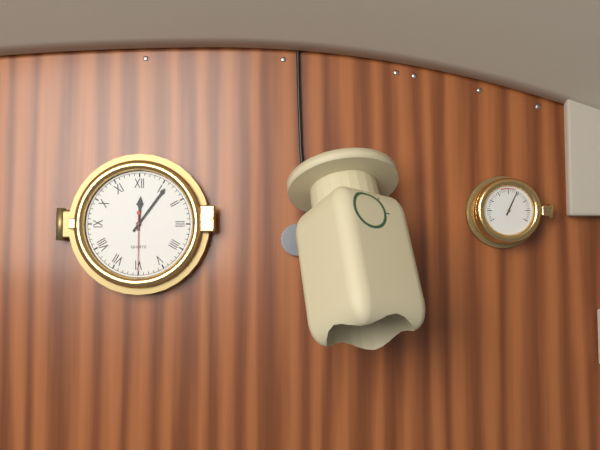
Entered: {"hour": 12, "minute": 6, "second": 30}
